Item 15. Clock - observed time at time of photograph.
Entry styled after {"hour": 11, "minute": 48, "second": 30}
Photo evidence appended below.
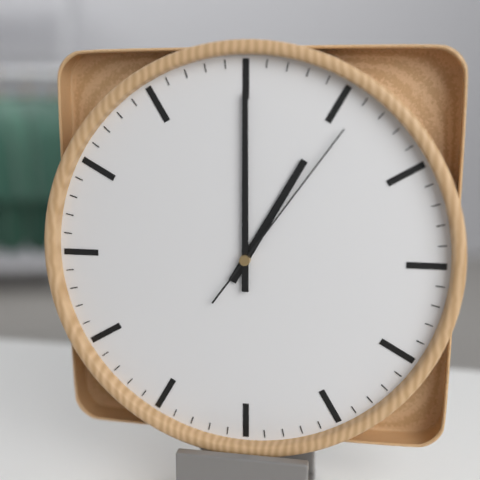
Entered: {"hour": 1, "minute": 0, "second": 6}
